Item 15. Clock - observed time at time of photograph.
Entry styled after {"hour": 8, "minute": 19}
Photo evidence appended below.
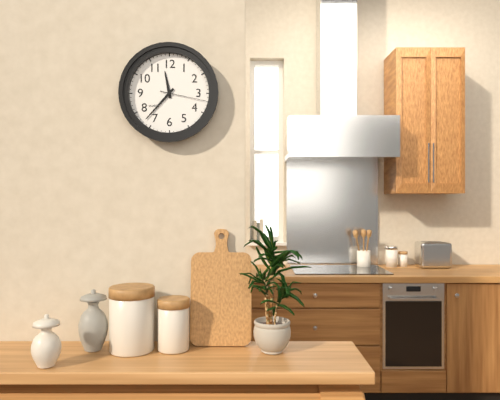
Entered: {"hour": 11, "minute": 37}
